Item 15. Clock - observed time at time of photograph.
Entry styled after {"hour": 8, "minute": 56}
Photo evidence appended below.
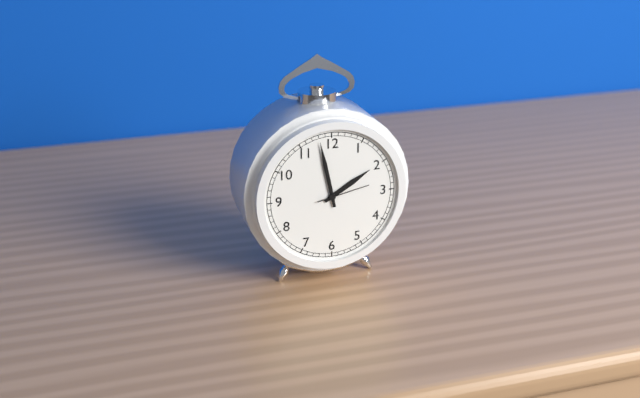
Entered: {"hour": 1, "minute": 58}
